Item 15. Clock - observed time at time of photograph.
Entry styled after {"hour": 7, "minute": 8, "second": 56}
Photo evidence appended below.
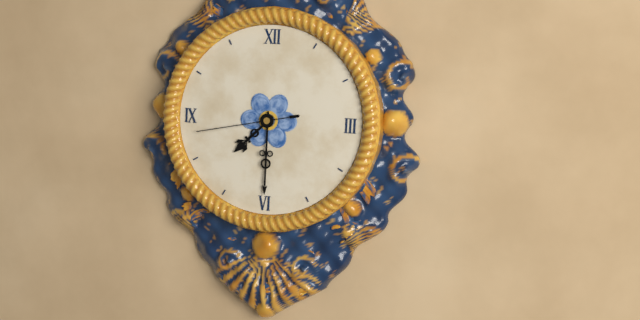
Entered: {"hour": 7, "minute": 30, "second": 43}
